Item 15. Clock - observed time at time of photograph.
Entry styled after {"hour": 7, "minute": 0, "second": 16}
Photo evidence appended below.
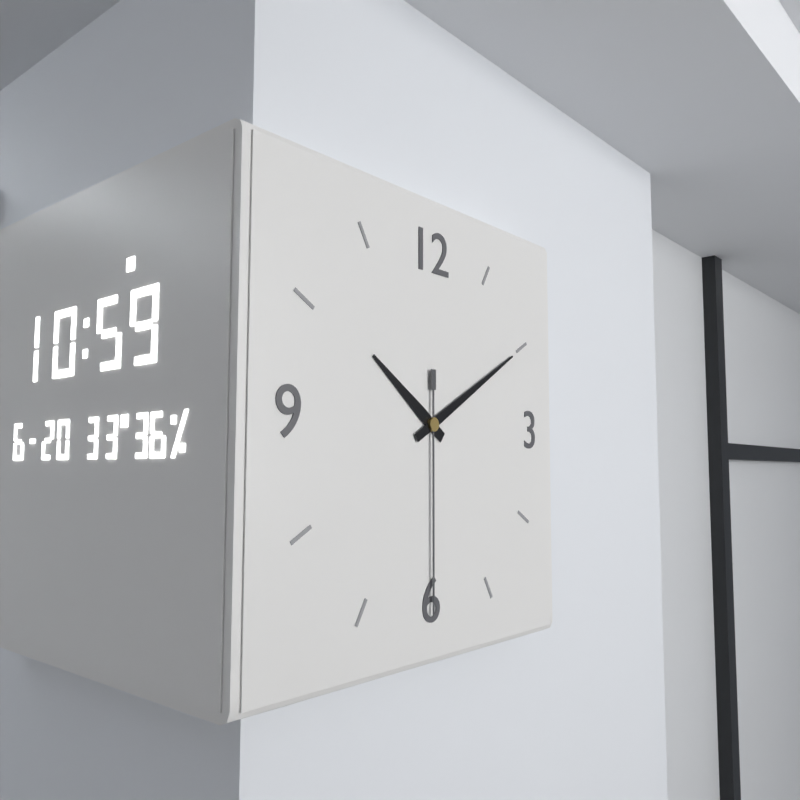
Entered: {"hour": 10, "minute": 10, "second": 30}
